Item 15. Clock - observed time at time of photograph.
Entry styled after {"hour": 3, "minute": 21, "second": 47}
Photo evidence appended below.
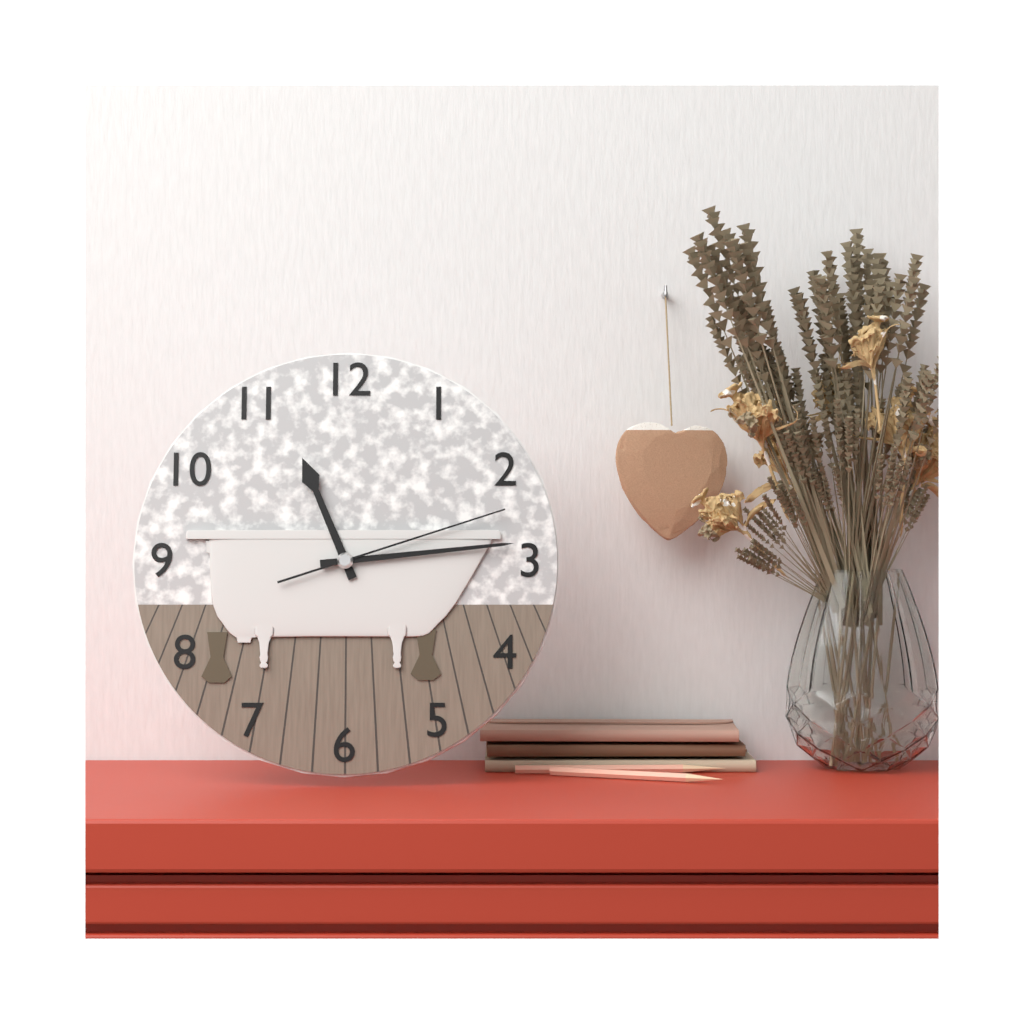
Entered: {"hour": 11, "minute": 14, "second": 12}
